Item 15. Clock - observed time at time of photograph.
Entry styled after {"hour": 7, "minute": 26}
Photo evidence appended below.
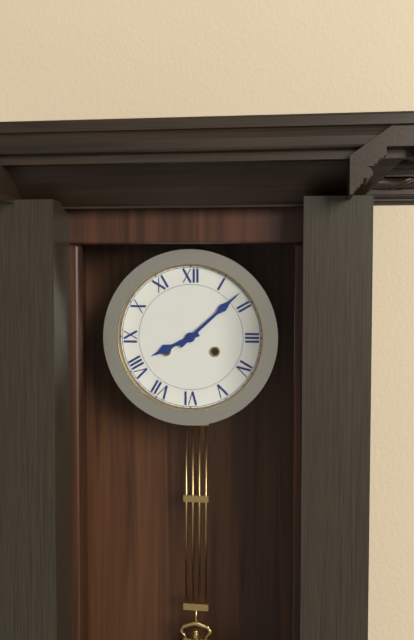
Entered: {"hour": 8, "minute": 8}
